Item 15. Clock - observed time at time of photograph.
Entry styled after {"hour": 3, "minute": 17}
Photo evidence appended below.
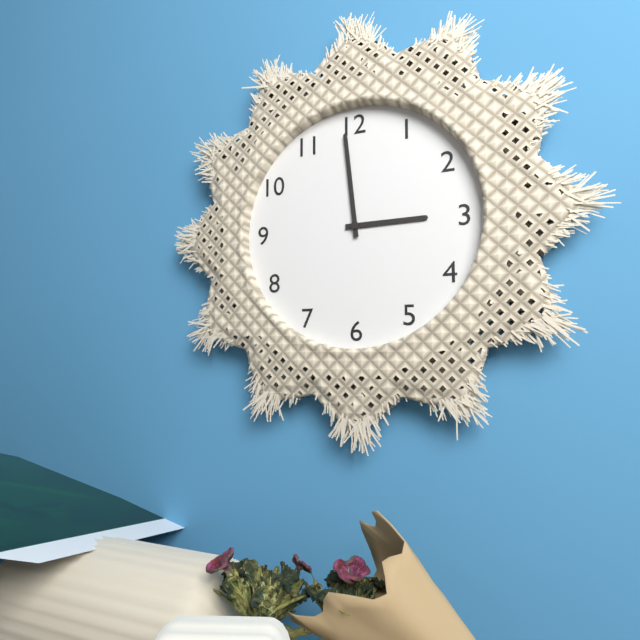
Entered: {"hour": 2, "minute": 59}
